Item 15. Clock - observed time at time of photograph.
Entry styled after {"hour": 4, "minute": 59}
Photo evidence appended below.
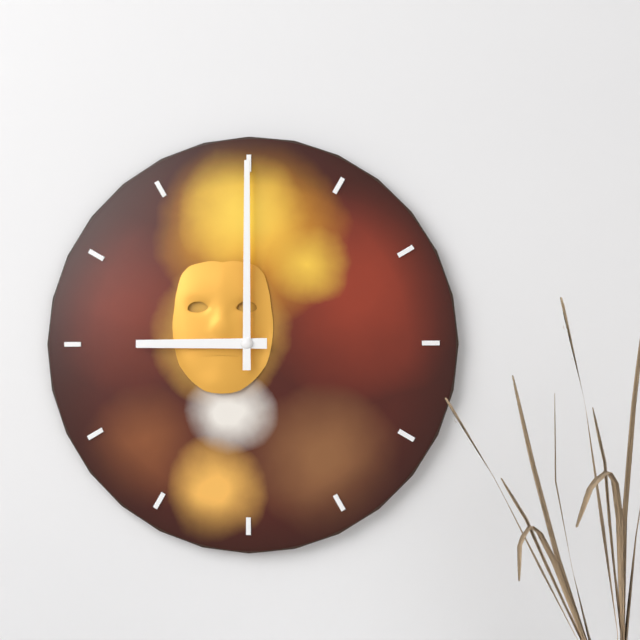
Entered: {"hour": 9, "minute": 0}
